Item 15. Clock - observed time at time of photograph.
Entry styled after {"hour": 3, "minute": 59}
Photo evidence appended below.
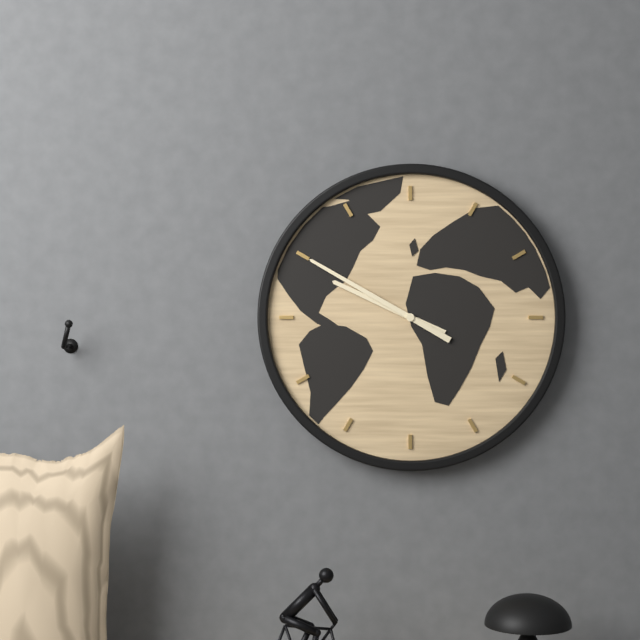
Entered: {"hour": 9, "minute": 50}
